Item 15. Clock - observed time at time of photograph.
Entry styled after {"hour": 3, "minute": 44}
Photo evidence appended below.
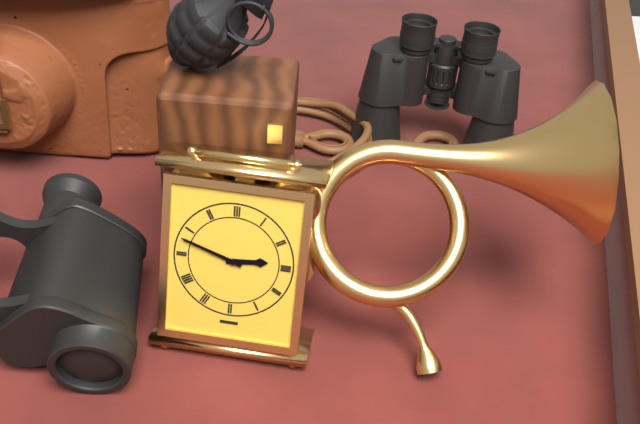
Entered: {"hour": 2, "minute": 48}
